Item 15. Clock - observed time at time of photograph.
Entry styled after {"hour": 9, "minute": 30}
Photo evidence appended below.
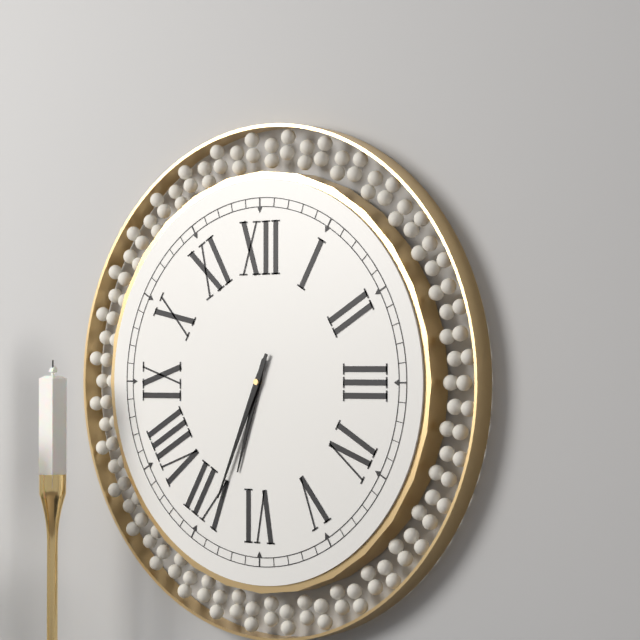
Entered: {"hour": 6, "minute": 34}
